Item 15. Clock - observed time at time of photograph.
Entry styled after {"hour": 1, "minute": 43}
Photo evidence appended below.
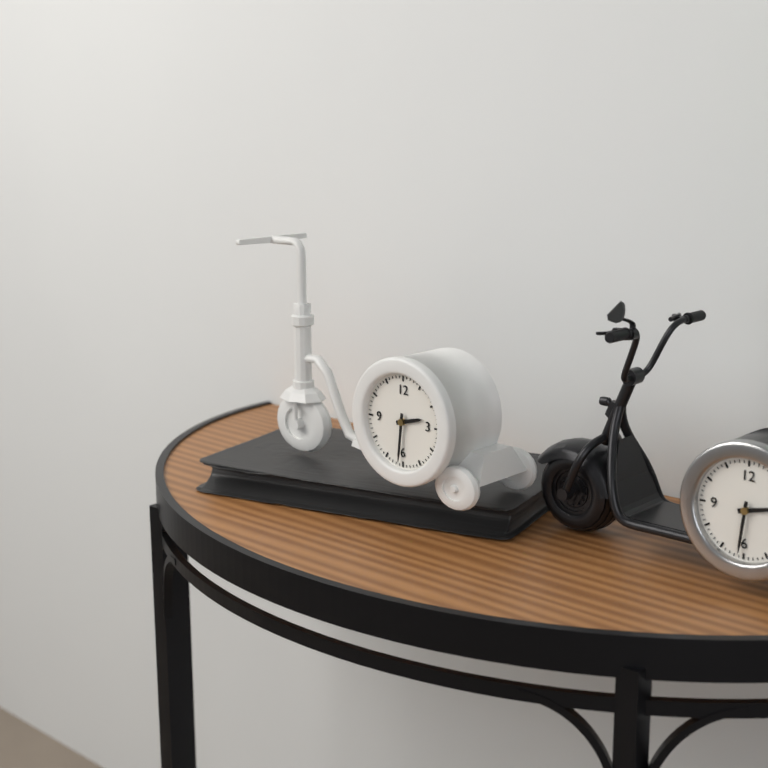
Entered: {"hour": 2, "minute": 31}
